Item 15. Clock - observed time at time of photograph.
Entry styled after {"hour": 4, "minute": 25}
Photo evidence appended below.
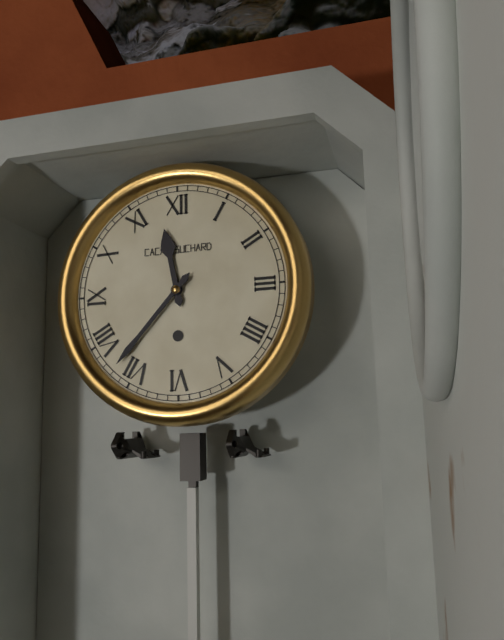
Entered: {"hour": 11, "minute": 37}
